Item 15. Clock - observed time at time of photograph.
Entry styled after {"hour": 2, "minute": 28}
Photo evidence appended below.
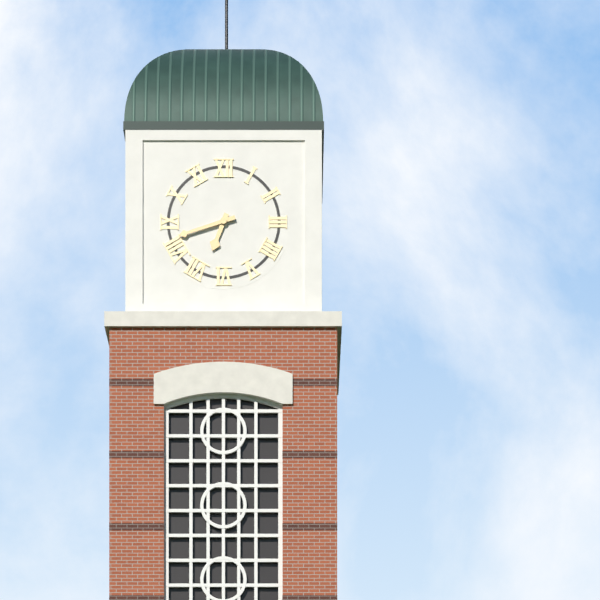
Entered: {"hour": 6, "minute": 42}
